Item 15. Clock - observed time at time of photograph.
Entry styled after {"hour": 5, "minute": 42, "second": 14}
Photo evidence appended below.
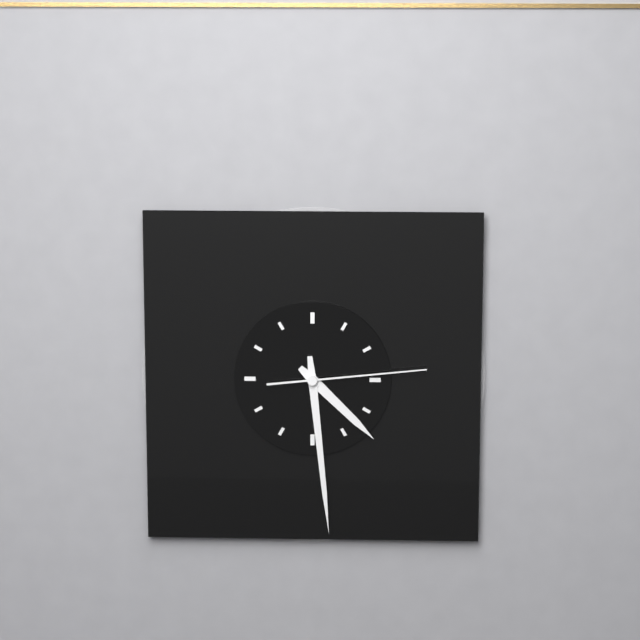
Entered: {"hour": 4, "minute": 29, "second": 14}
